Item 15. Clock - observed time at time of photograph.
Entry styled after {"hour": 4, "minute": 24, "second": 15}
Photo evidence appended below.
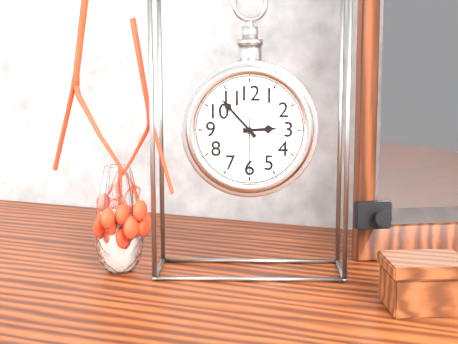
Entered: {"hour": 2, "minute": 53, "second": 30}
